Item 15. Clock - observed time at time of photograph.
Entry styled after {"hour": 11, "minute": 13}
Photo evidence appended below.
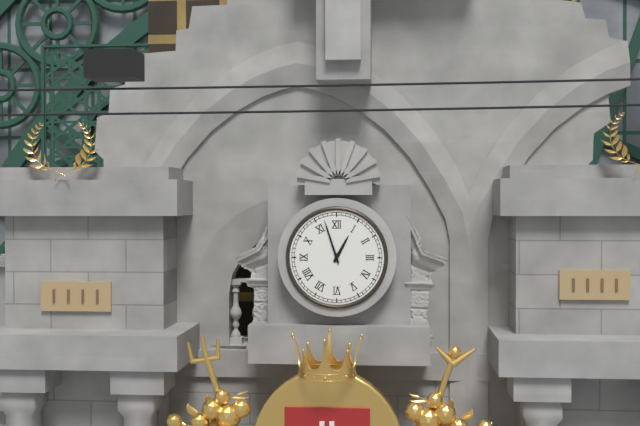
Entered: {"hour": 12, "minute": 57}
